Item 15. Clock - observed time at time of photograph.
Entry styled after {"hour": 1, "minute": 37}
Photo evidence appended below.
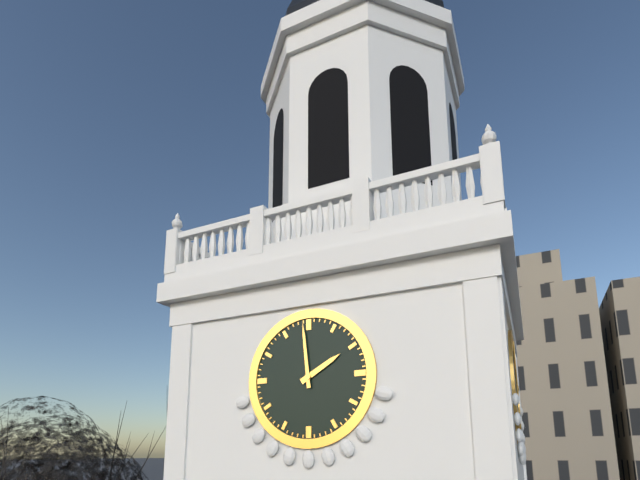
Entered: {"hour": 1, "minute": 59}
